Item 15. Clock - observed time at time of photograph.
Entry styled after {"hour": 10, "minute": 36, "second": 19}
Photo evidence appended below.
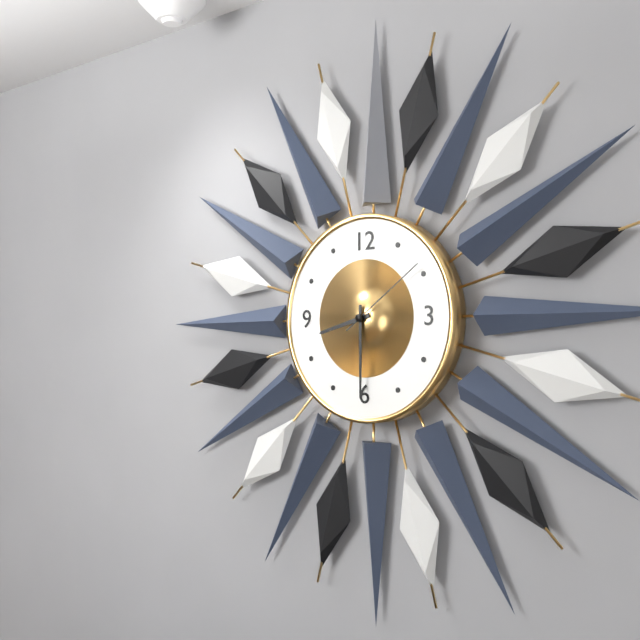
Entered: {"hour": 8, "minute": 30, "second": 9}
